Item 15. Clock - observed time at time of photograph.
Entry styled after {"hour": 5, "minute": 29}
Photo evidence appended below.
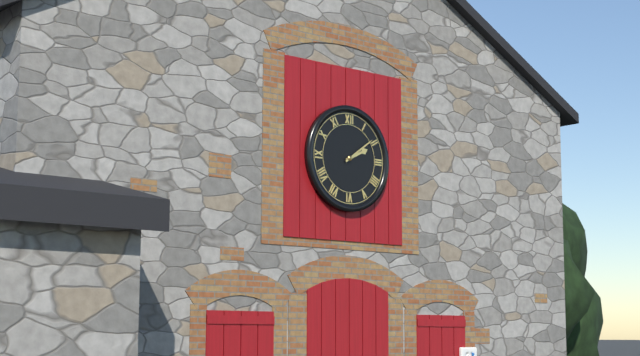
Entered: {"hour": 2, "minute": 9}
